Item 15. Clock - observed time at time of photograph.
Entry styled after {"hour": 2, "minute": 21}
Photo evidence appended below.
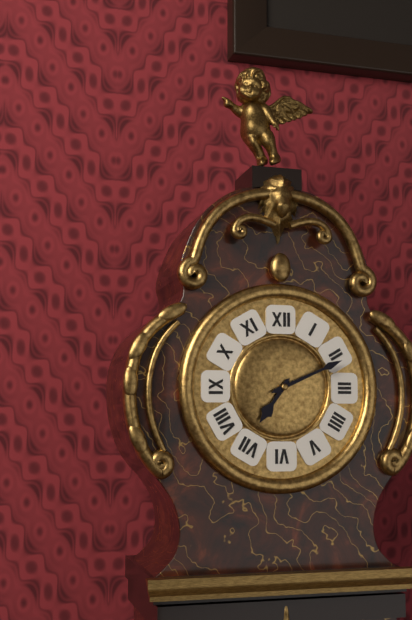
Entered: {"hour": 7, "minute": 11}
